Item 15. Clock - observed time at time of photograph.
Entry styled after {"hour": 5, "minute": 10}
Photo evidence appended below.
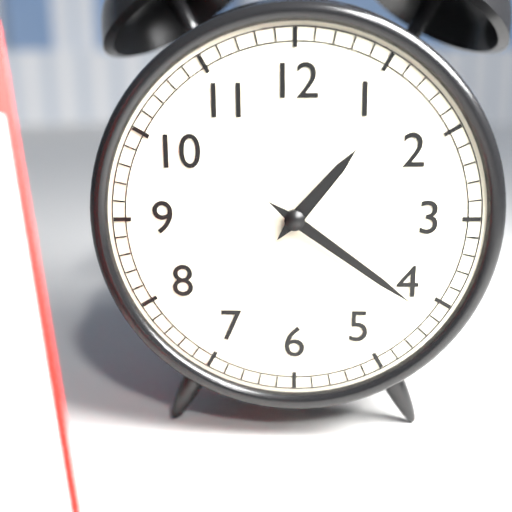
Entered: {"hour": 1, "minute": 21}
